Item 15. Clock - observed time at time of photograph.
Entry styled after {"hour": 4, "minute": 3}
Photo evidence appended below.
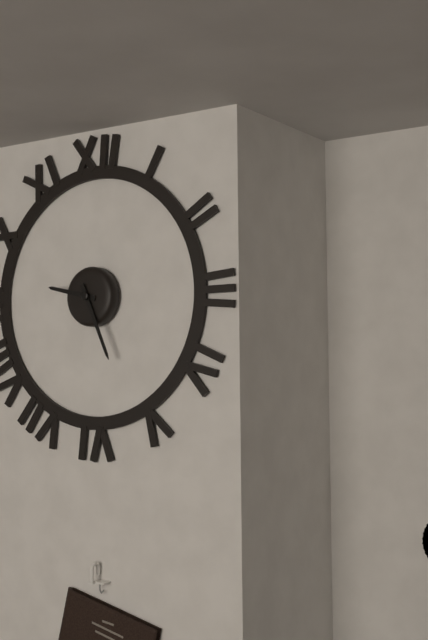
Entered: {"hour": 9, "minute": 26}
